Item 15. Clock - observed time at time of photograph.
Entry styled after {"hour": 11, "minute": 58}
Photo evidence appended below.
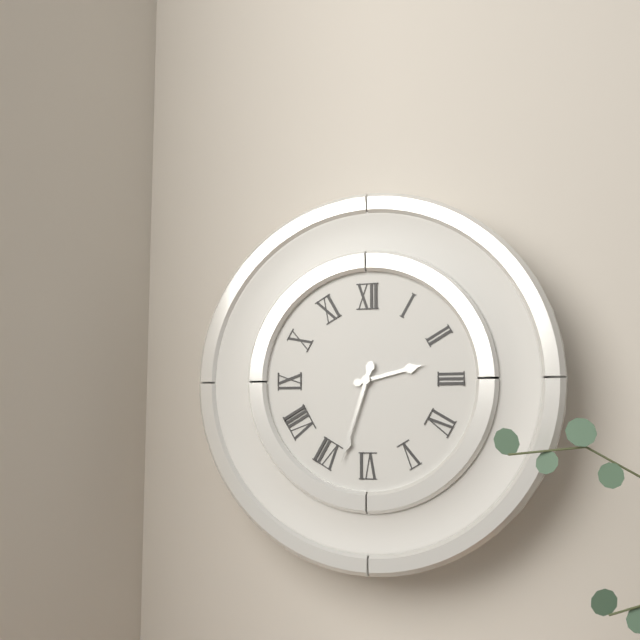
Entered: {"hour": 2, "minute": 33}
